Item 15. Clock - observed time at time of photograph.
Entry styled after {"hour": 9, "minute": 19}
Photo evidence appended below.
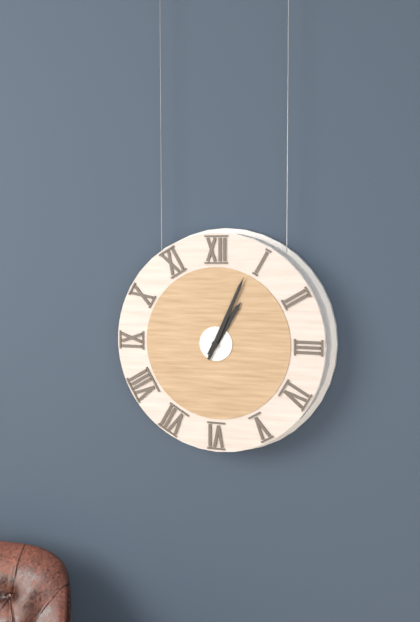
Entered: {"hour": 1, "minute": 4}
